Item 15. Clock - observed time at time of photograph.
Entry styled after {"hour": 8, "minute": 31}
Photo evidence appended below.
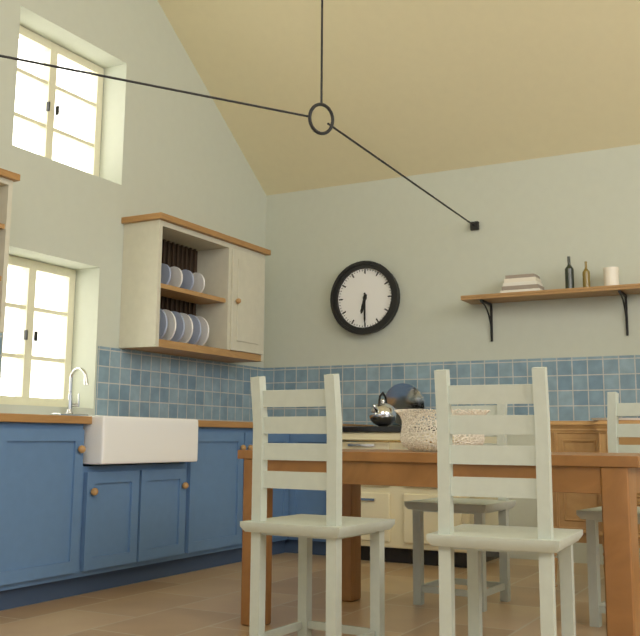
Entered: {"hour": 6, "minute": 30}
